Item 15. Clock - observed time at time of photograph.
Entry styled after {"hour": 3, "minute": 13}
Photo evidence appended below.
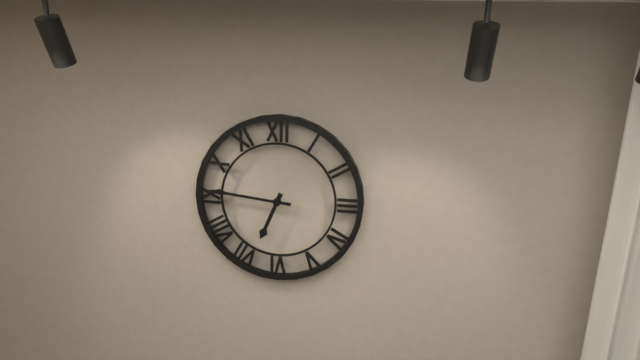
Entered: {"hour": 6, "minute": 46}
